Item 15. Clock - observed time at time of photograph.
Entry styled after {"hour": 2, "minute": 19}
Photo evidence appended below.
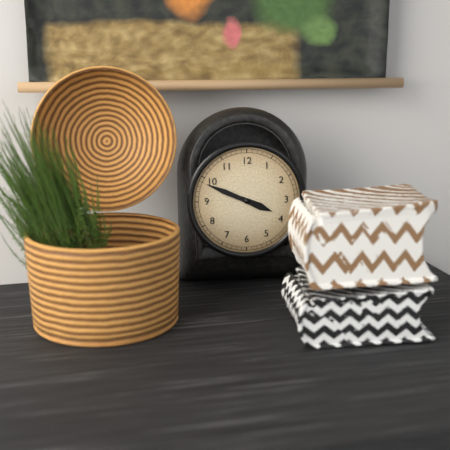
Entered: {"hour": 3, "minute": 49}
